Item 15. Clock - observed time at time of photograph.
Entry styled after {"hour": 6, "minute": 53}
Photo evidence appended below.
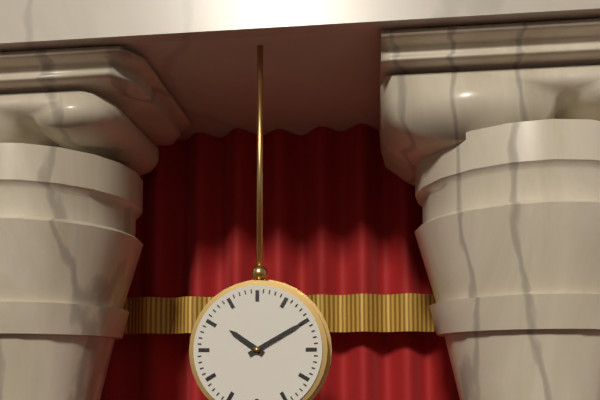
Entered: {"hour": 10, "minute": 10}
